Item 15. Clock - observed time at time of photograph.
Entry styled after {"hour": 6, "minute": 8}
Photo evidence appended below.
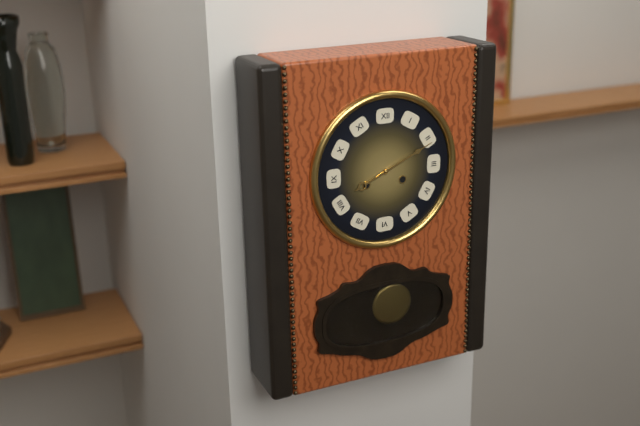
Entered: {"hour": 8, "minute": 11}
